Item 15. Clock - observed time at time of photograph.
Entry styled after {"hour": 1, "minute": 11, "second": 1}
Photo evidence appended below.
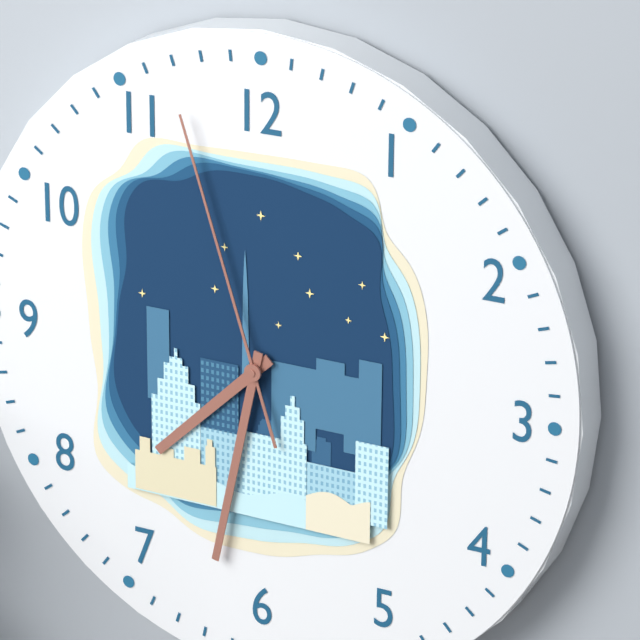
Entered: {"hour": 7, "minute": 32, "second": 57}
